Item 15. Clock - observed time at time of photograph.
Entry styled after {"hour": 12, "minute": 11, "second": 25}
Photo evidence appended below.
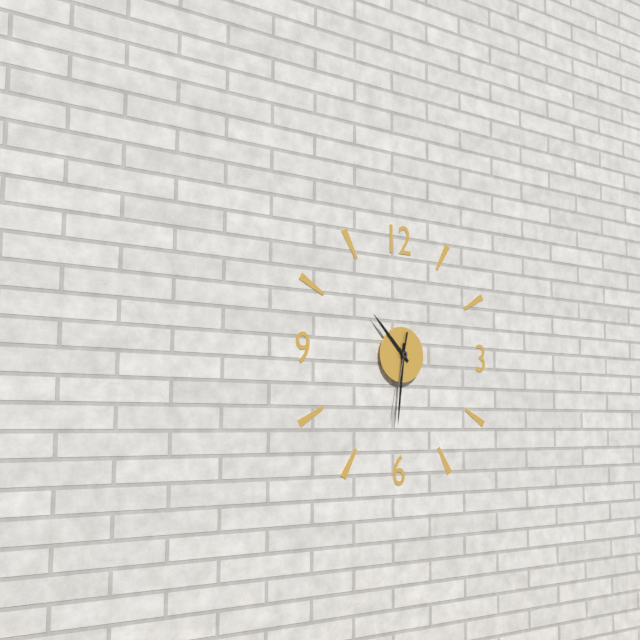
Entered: {"hour": 10, "minute": 31, "second": 32}
